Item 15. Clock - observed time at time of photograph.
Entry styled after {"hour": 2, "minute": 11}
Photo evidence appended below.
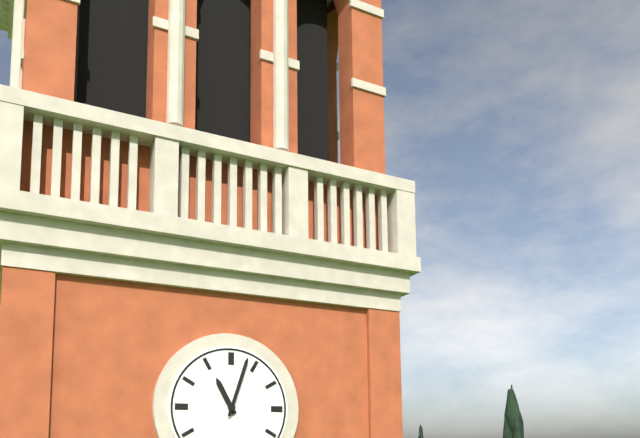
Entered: {"hour": 11, "minute": 3}
